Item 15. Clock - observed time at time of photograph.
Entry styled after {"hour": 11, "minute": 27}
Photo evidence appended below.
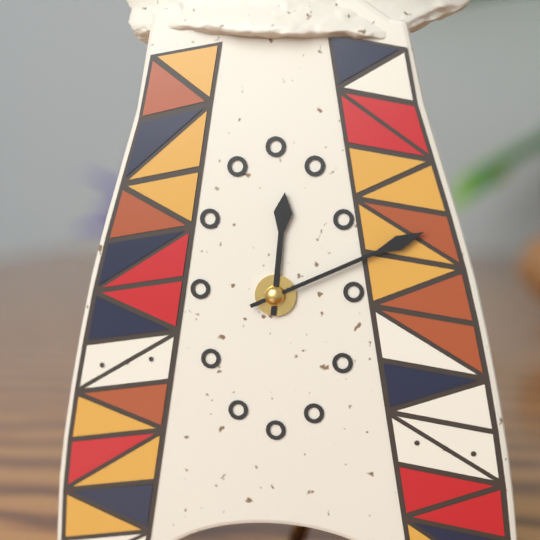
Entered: {"hour": 12, "minute": 11}
